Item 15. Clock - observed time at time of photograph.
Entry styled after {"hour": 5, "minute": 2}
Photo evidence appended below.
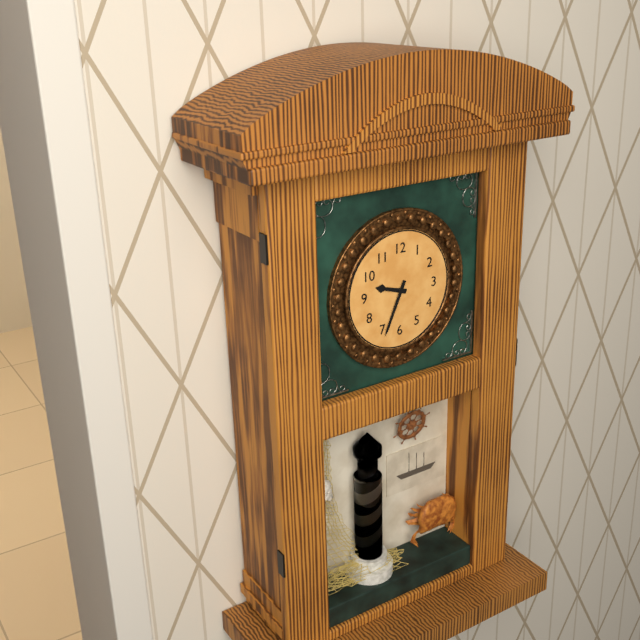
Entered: {"hour": 9, "minute": 34}
